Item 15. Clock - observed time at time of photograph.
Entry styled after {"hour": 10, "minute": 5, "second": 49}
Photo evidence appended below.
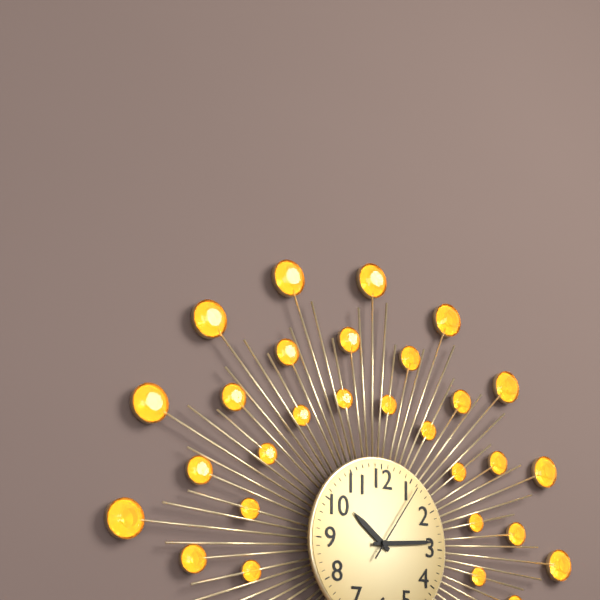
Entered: {"hour": 10, "minute": 14, "second": 6}
